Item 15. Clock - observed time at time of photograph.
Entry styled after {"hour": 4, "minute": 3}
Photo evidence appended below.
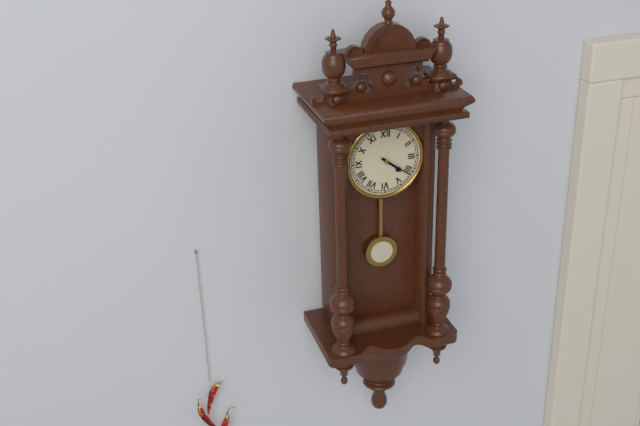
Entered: {"hour": 4, "minute": 21}
